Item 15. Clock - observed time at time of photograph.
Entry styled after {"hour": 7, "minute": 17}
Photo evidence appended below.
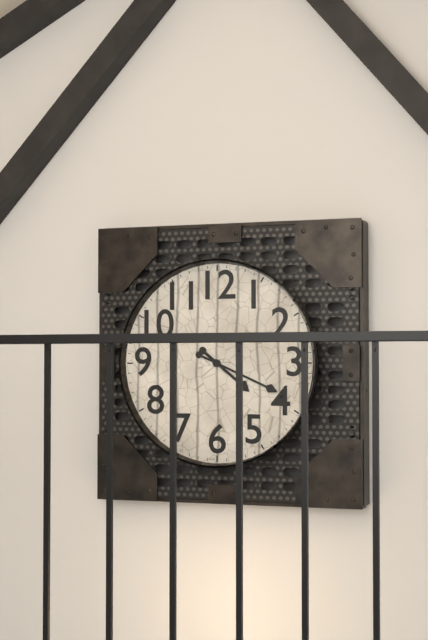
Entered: {"hour": 4, "minute": 19}
